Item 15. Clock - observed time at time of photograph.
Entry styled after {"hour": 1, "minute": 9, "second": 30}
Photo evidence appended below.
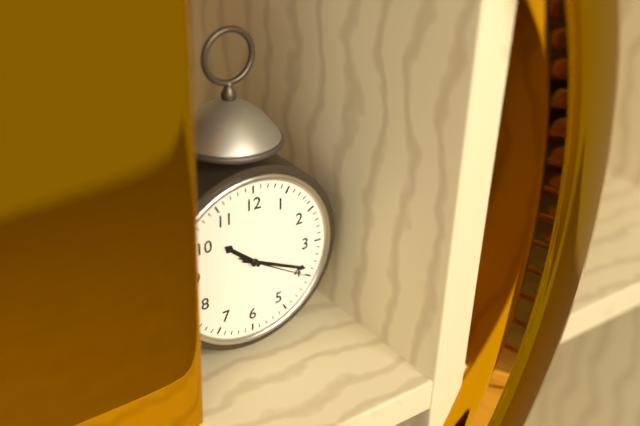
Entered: {"hour": 10, "minute": 19, "second": 20}
